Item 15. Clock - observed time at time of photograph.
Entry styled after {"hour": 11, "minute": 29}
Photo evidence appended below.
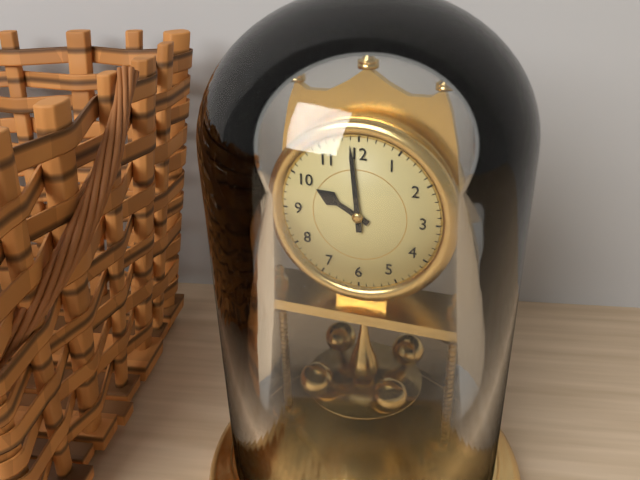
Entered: {"hour": 9, "minute": 59}
